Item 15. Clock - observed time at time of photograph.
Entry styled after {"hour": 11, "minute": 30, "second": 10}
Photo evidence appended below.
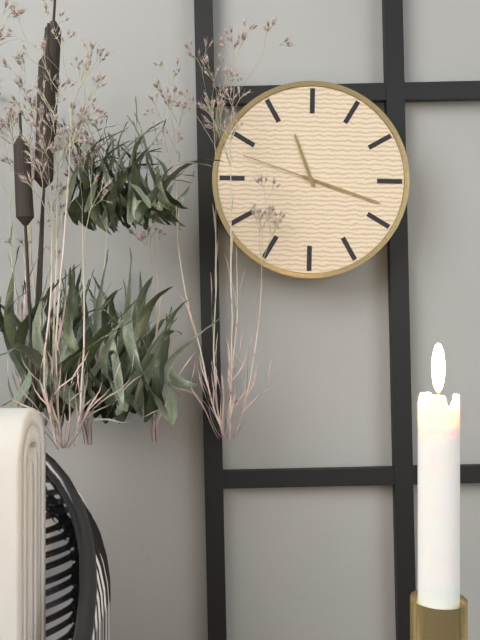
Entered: {"hour": 11, "minute": 18, "second": 48}
